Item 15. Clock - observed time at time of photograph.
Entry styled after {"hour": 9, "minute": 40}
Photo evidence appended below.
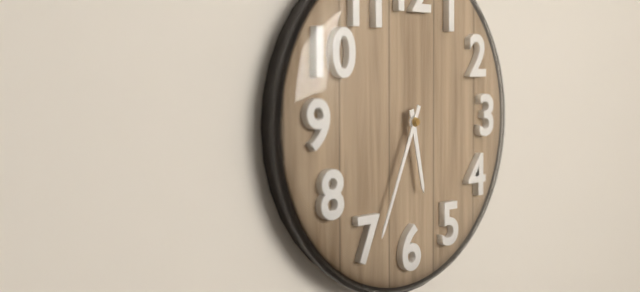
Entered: {"hour": 5, "minute": 34}
